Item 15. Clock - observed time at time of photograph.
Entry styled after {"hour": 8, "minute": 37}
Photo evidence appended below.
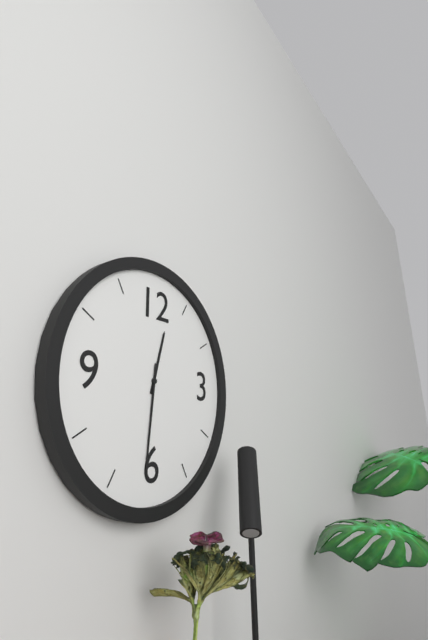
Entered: {"hour": 12, "minute": 31}
